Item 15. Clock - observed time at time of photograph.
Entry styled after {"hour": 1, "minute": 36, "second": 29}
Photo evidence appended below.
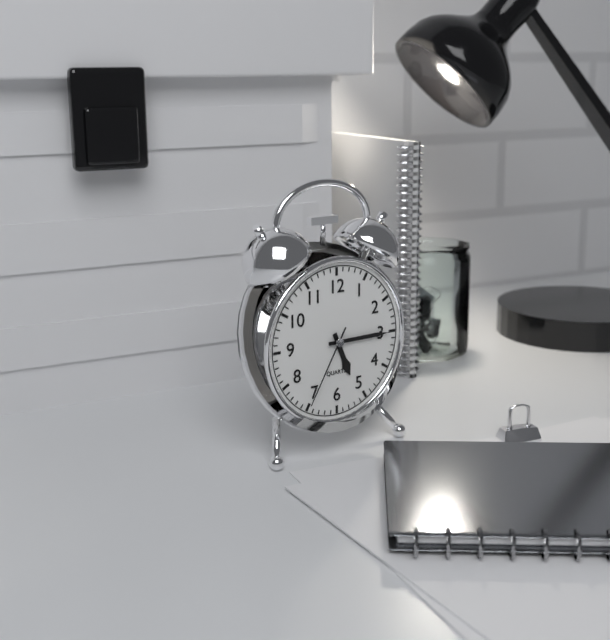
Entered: {"hour": 5, "minute": 15, "second": 35}
